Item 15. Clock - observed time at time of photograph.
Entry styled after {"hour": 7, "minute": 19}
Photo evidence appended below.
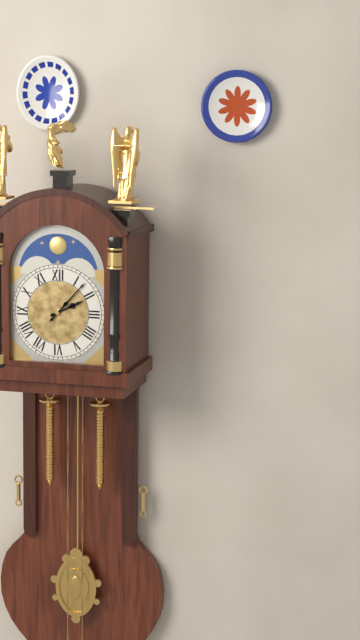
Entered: {"hour": 2, "minute": 7}
